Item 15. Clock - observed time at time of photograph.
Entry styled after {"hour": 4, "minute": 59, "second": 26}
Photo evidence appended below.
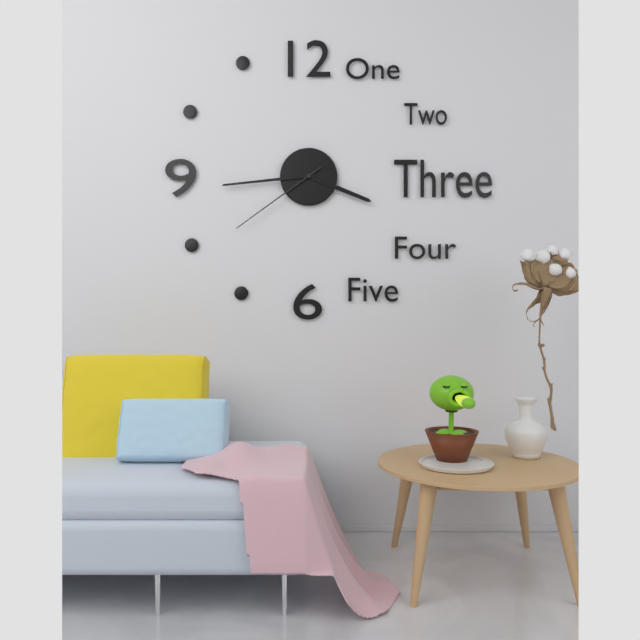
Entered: {"hour": 3, "minute": 44, "second": 39}
